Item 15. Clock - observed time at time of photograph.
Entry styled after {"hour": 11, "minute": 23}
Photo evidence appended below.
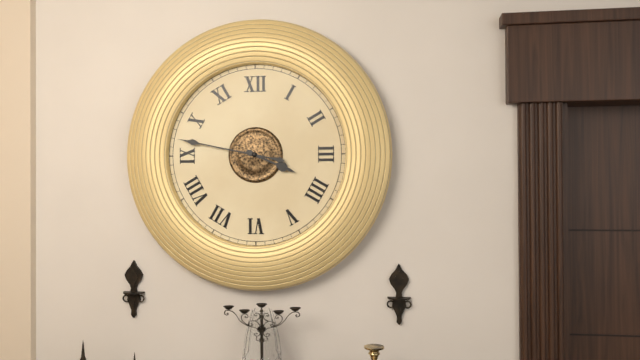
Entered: {"hour": 3, "minute": 47}
